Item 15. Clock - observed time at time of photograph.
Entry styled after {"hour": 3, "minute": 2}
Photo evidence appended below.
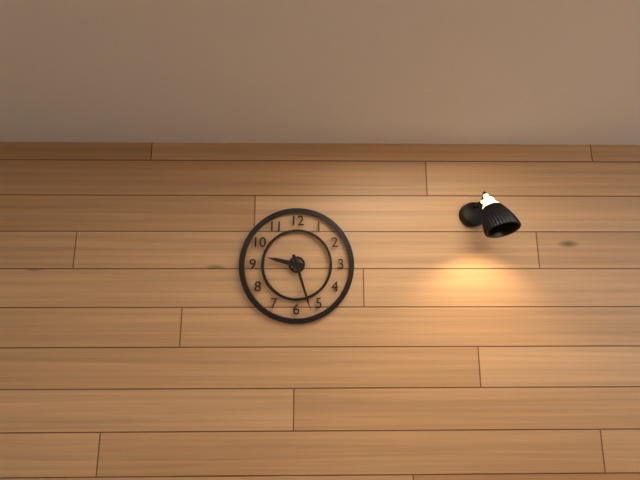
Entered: {"hour": 9, "minute": 27}
